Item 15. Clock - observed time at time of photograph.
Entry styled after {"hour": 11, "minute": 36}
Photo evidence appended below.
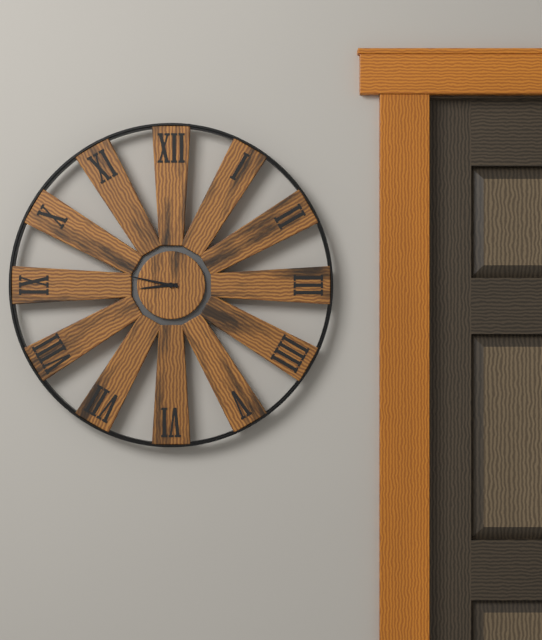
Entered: {"hour": 8, "minute": 47}
